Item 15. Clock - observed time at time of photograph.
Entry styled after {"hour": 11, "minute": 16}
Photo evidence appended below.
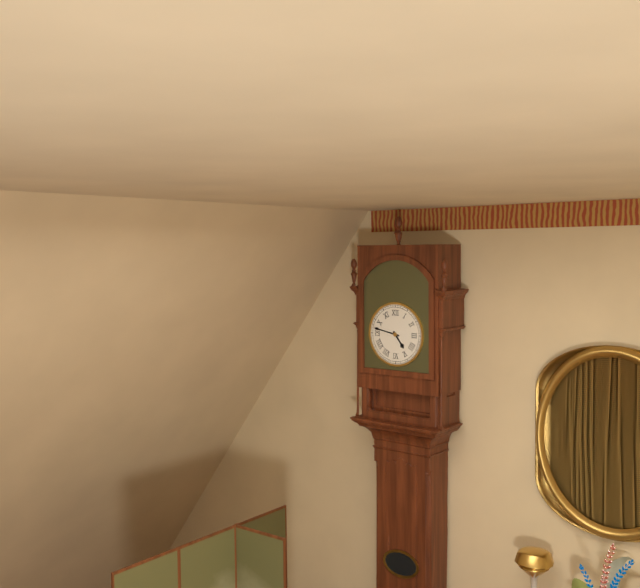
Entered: {"hour": 4, "minute": 47}
